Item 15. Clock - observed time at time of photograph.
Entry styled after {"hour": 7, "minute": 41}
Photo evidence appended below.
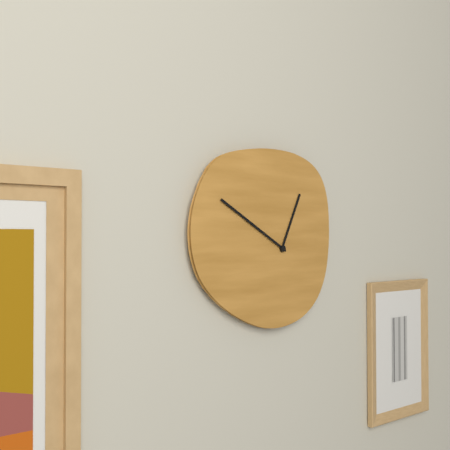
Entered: {"hour": 12, "minute": 50}
